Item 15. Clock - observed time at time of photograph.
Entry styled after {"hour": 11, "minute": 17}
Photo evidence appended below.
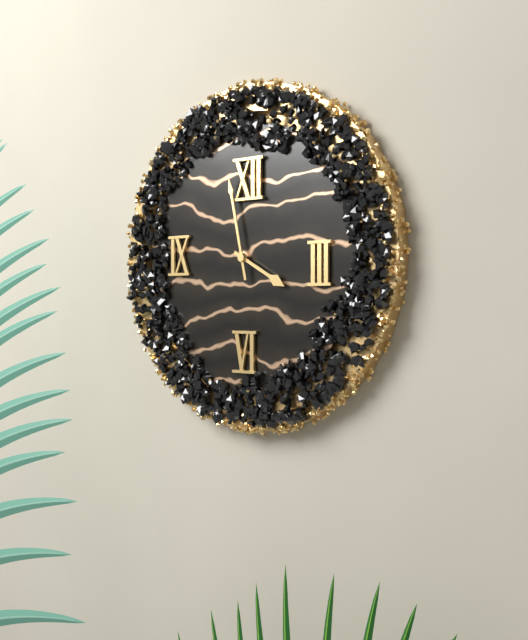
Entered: {"hour": 3, "minute": 58}
